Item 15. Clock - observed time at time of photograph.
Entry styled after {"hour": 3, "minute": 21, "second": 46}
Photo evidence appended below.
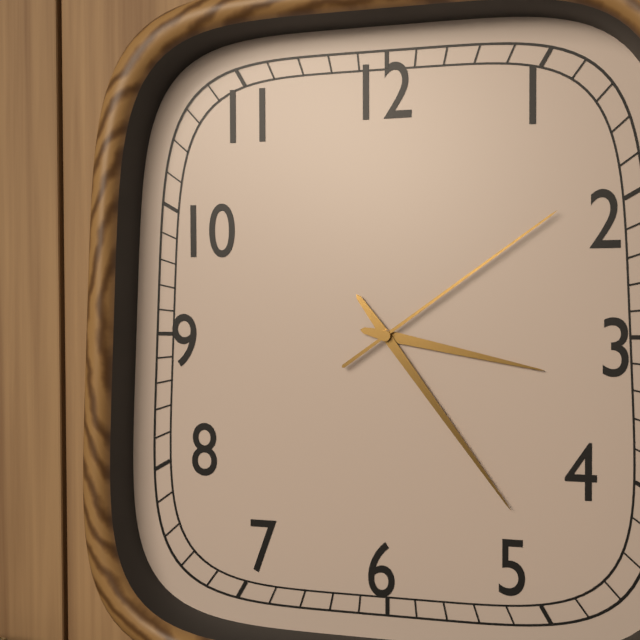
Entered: {"hour": 3, "minute": 24, "second": 9}
